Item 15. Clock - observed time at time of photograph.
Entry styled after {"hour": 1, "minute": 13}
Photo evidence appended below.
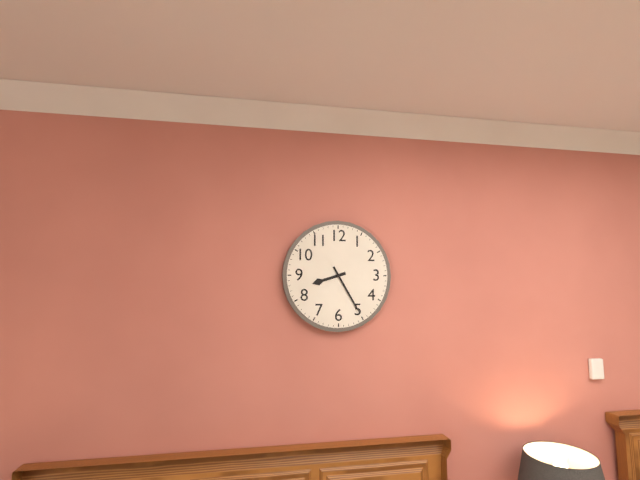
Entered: {"hour": 8, "minute": 25}
